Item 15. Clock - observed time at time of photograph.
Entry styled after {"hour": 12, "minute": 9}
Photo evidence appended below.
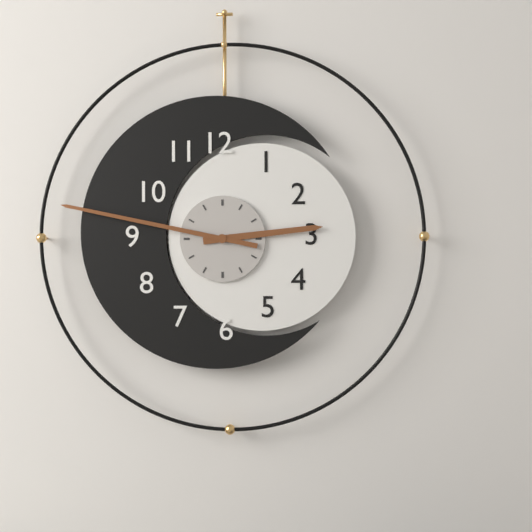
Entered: {"hour": 2, "minute": 47}
